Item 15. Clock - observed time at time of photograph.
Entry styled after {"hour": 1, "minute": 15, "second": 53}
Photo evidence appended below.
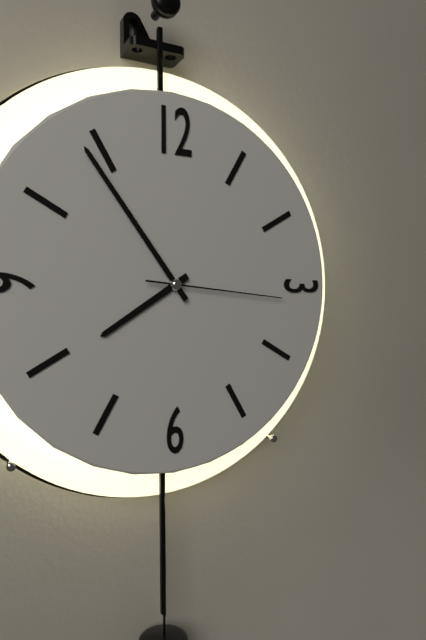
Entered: {"hour": 7, "minute": 54, "second": 16}
